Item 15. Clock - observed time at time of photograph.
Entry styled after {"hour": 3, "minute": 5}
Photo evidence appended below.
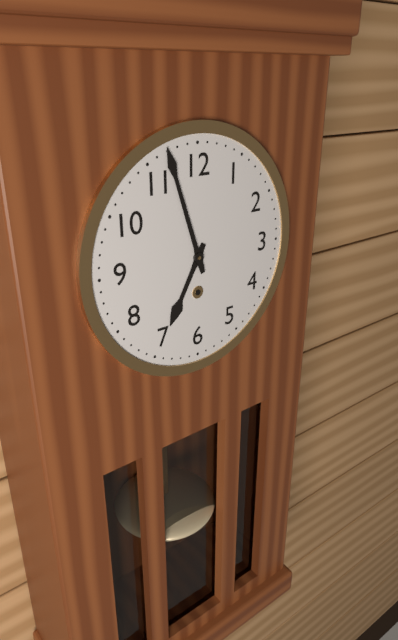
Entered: {"hour": 6, "minute": 57}
